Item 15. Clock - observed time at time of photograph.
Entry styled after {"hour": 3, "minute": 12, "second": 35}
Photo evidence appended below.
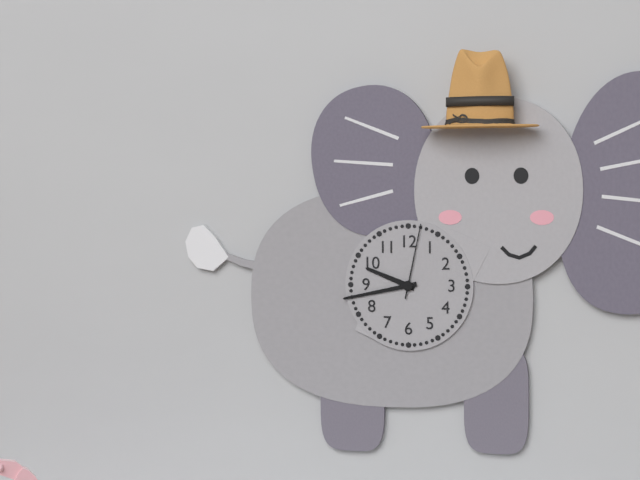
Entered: {"hour": 9, "minute": 43, "second": 2}
